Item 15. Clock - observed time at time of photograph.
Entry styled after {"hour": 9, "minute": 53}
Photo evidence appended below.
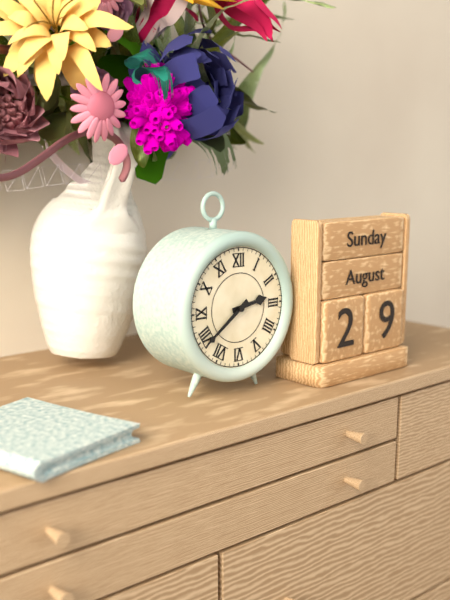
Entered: {"hour": 2, "minute": 39}
